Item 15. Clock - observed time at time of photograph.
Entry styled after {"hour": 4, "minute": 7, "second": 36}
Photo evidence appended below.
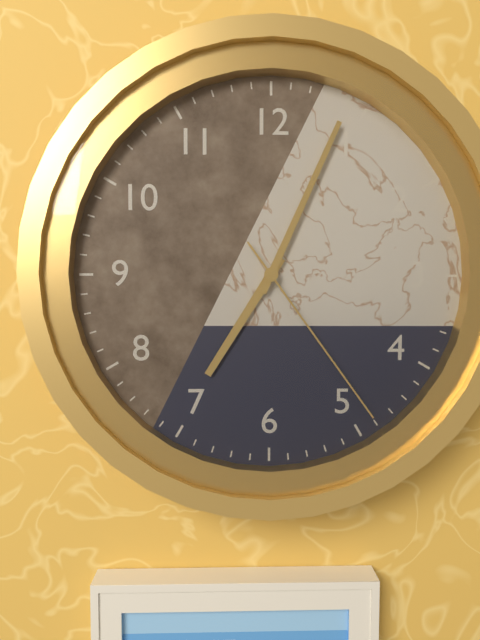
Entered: {"hour": 7, "minute": 4, "second": 24}
